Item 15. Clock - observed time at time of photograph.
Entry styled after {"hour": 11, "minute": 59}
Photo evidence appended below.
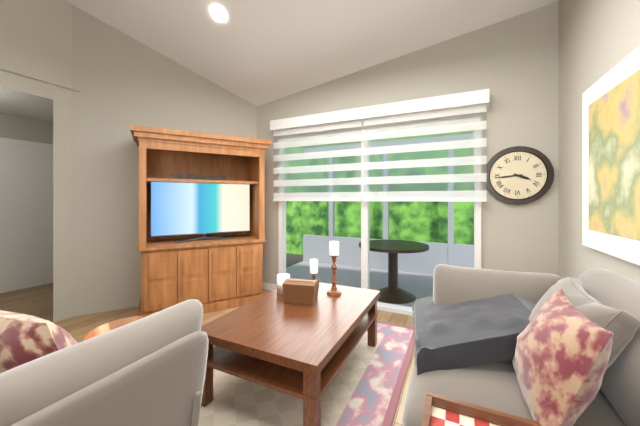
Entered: {"hour": 3, "minute": 44}
